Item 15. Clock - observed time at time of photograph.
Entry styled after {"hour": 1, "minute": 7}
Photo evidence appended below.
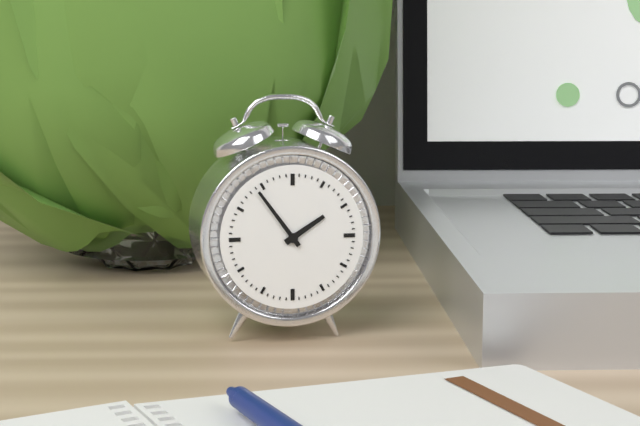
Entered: {"hour": 1, "minute": 54}
